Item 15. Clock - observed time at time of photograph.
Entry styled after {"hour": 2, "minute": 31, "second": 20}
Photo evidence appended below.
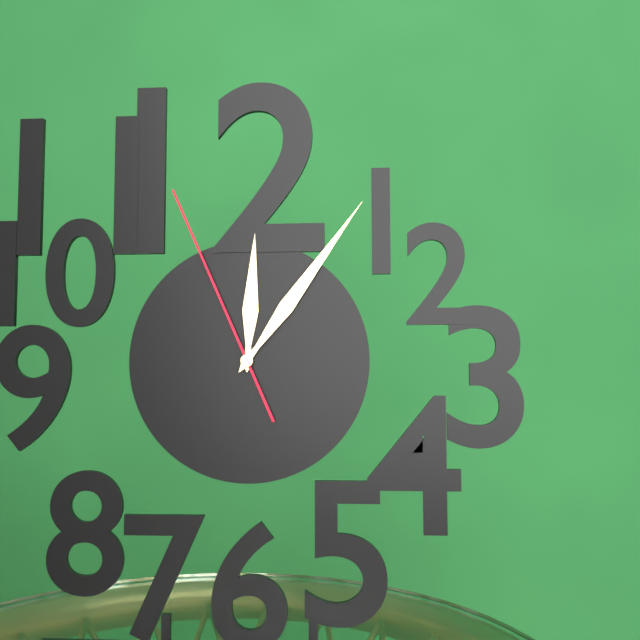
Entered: {"hour": 12, "minute": 6, "second": 56}
